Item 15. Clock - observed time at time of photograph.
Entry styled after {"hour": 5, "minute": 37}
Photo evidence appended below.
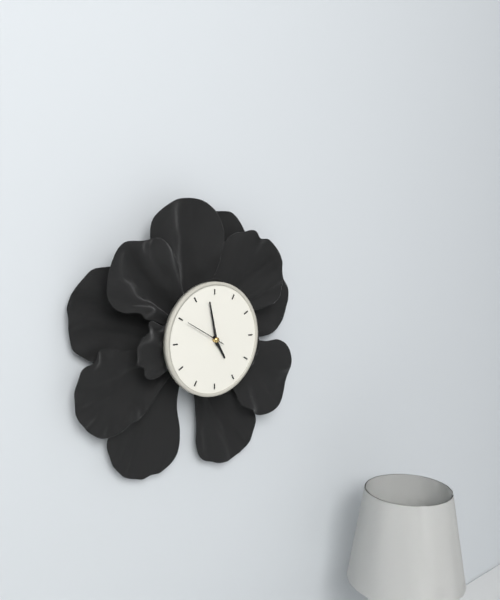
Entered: {"hour": 4, "minute": 58}
